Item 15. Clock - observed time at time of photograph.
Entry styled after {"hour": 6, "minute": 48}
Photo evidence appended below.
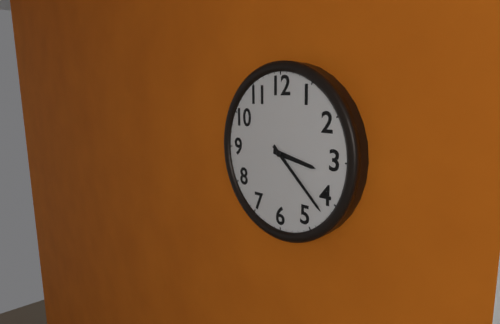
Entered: {"hour": 3, "minute": 22}
